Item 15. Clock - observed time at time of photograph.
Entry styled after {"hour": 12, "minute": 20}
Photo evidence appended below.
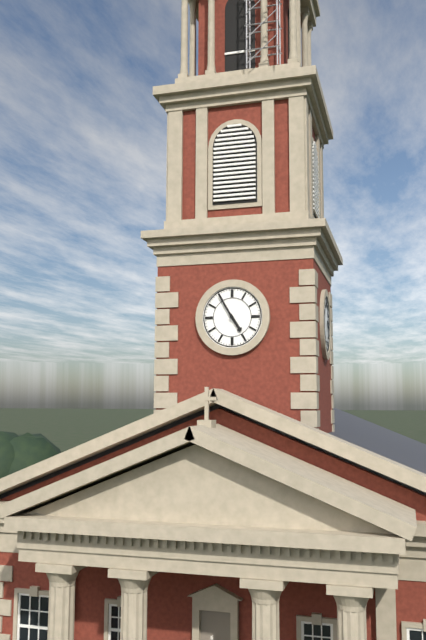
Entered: {"hour": 4, "minute": 55}
